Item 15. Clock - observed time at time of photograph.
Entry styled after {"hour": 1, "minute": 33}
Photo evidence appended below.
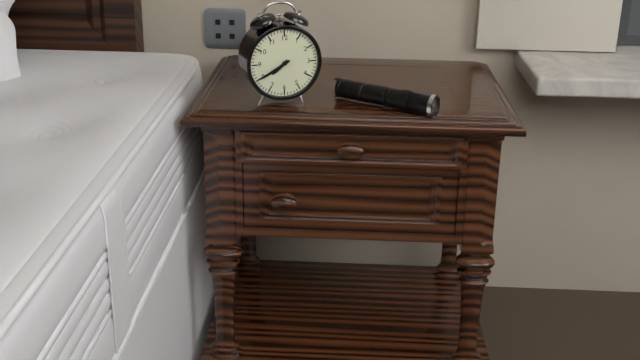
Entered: {"hour": 7, "minute": 40}
